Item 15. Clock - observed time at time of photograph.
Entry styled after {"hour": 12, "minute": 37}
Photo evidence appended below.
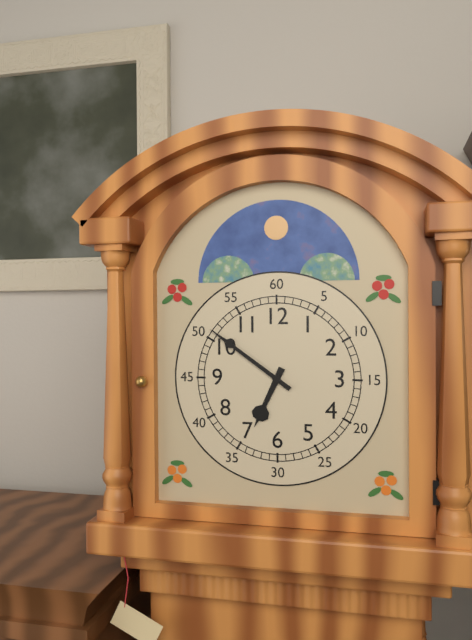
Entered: {"hour": 6, "minute": 51}
